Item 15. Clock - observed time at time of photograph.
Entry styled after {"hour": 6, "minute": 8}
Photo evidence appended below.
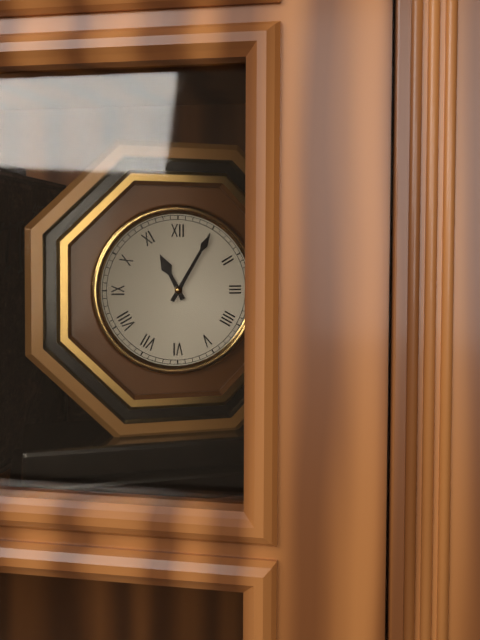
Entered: {"hour": 11, "minute": 5}
